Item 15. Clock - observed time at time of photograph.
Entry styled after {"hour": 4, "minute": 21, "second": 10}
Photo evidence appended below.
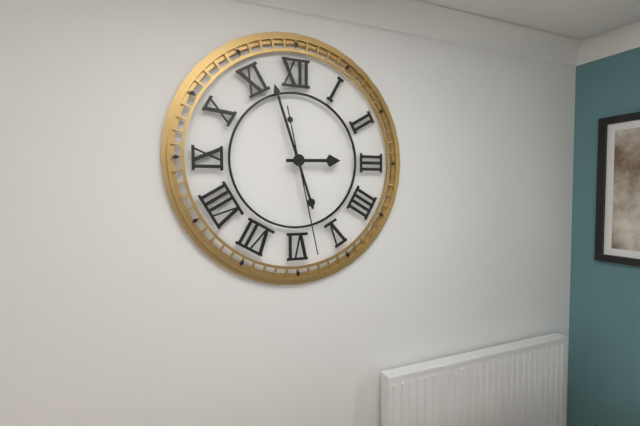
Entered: {"hour": 2, "minute": 57, "second": 28}
